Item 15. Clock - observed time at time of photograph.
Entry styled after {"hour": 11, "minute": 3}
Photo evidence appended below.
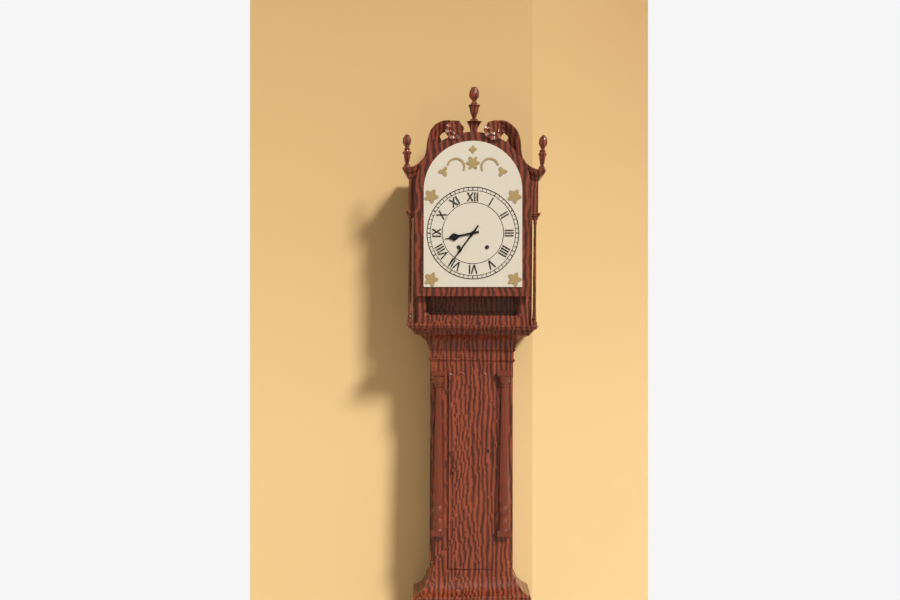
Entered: {"hour": 8, "minute": 36}
